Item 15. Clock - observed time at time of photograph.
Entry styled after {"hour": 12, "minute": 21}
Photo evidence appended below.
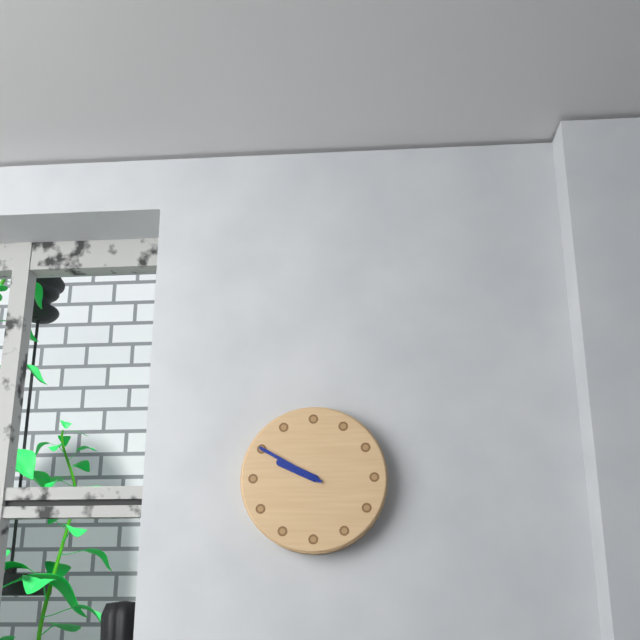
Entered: {"hour": 9, "minute": 50}
